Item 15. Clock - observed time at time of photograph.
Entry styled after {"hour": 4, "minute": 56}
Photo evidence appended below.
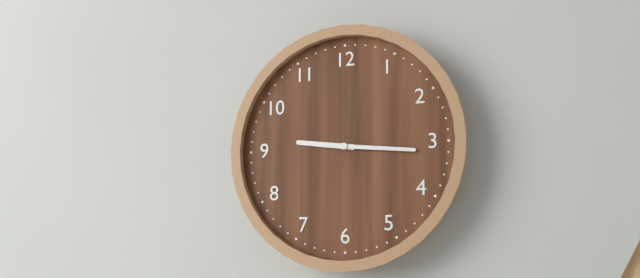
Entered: {"hour": 9, "minute": 16}
